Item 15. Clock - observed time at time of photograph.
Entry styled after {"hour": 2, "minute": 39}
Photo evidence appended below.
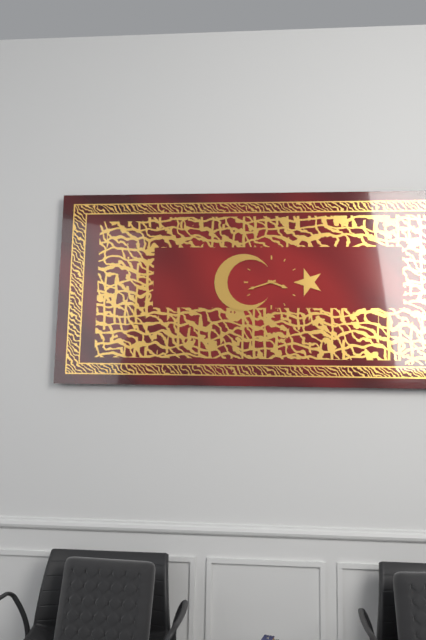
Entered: {"hour": 3, "minute": 42}
